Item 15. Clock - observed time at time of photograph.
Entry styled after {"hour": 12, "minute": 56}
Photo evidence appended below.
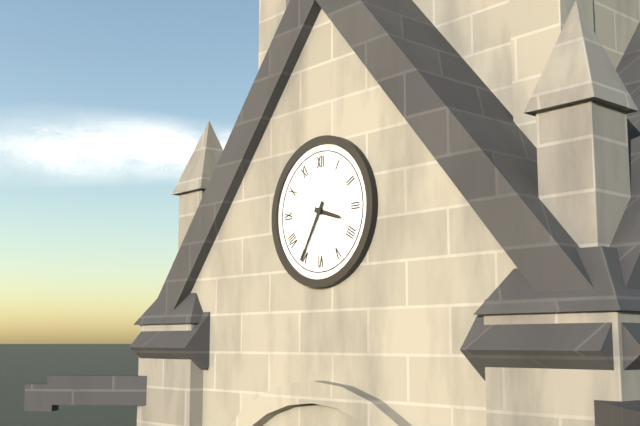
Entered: {"hour": 3, "minute": 35}
